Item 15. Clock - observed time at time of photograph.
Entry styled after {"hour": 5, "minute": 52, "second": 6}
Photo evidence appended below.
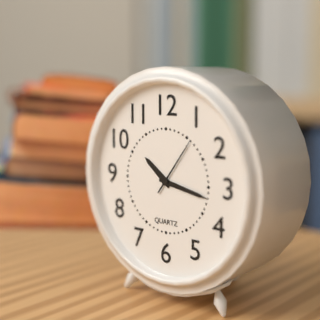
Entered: {"hour": 10, "minute": 17, "second": 6}
